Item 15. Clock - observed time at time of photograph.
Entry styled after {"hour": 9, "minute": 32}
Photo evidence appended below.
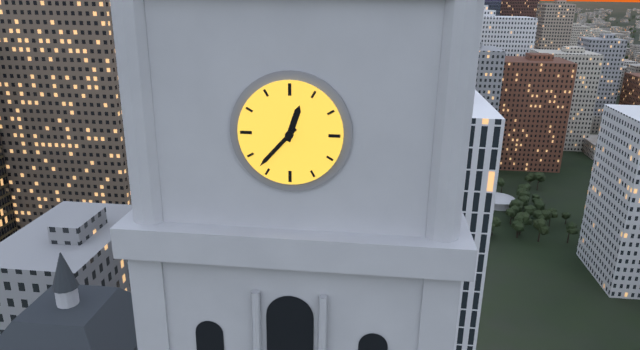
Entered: {"hour": 12, "minute": 37}
